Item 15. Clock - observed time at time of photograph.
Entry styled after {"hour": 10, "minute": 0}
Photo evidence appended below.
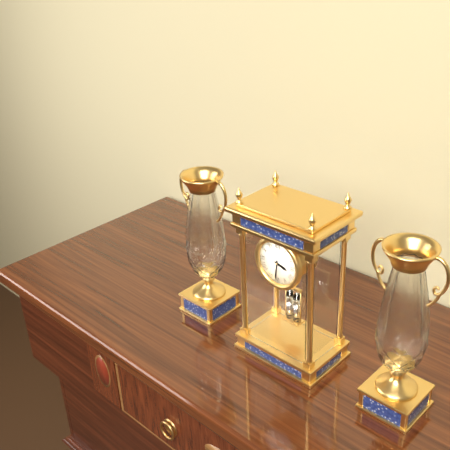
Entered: {"hour": 3, "minute": 31}
